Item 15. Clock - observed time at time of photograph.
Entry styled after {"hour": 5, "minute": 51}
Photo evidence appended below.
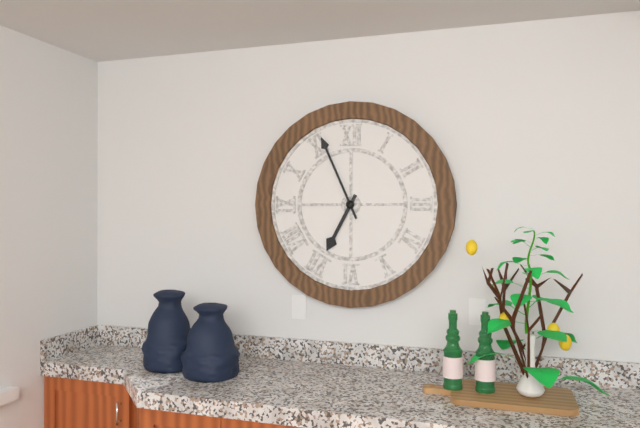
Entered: {"hour": 6, "minute": 56}
